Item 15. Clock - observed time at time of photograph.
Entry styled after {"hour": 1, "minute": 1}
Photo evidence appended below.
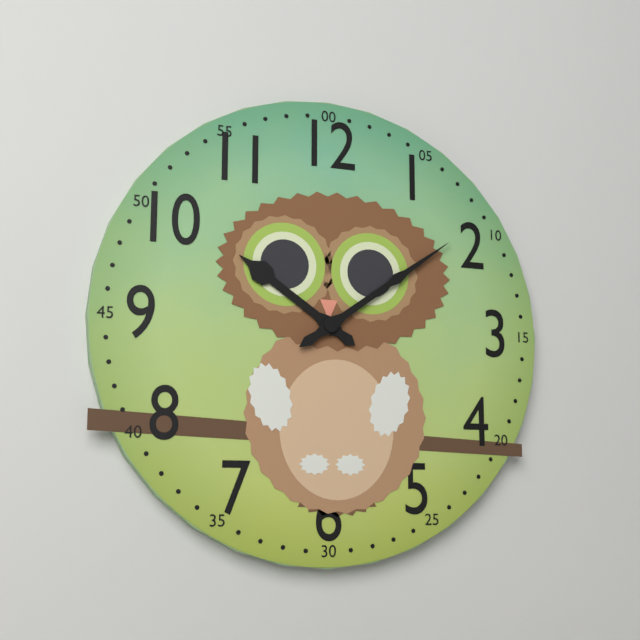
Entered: {"hour": 10, "minute": 9}
